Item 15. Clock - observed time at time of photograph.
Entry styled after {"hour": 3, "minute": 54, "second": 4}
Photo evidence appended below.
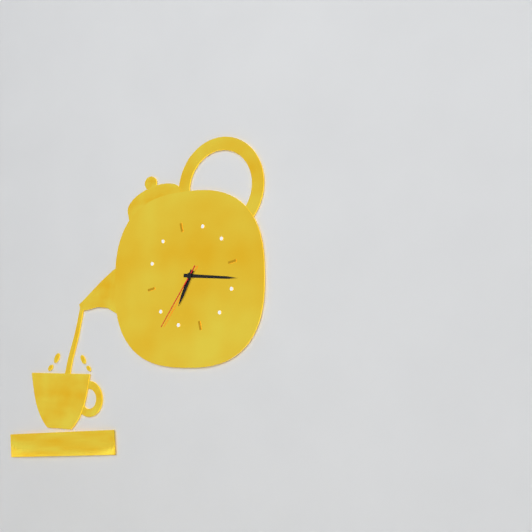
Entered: {"hour": 7, "minute": 18, "second": 38}
